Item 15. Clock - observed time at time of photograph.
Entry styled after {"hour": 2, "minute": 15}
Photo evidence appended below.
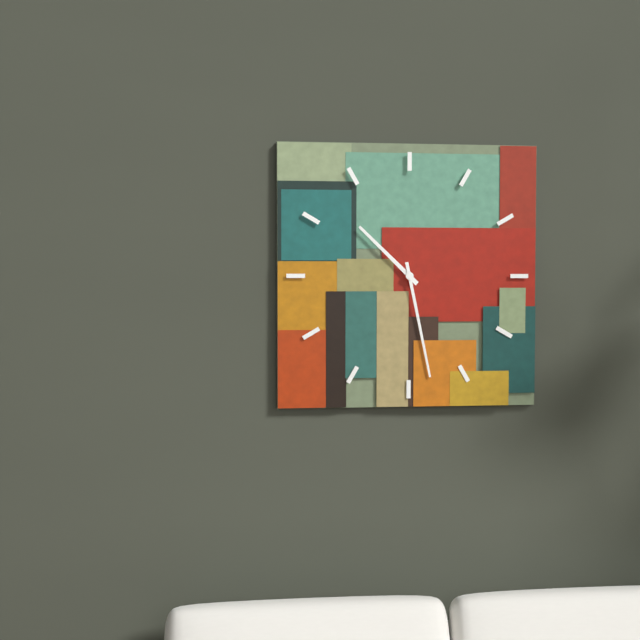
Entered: {"hour": 10, "minute": 28}
